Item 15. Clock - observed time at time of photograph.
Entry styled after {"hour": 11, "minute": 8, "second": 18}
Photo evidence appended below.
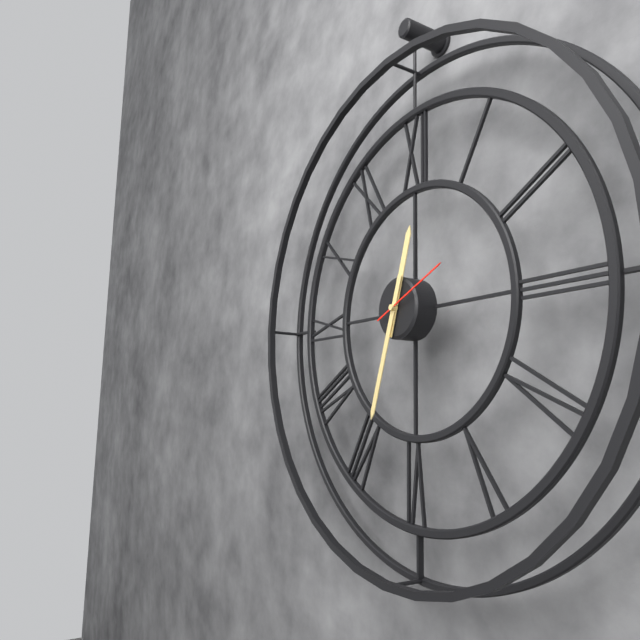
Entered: {"hour": 12, "minute": 33, "second": 11}
